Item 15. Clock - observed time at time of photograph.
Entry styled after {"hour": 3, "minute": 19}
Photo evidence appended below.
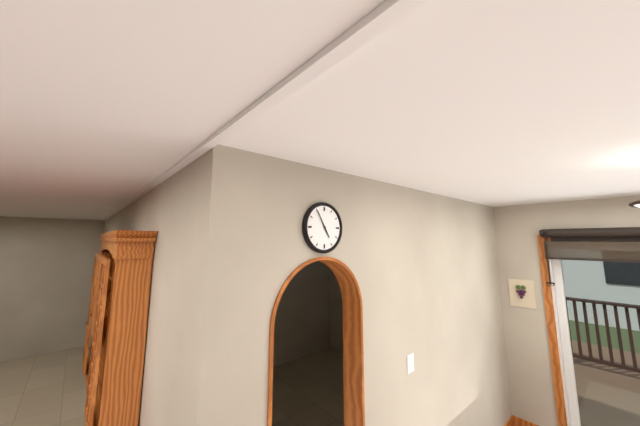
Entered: {"hour": 4, "minute": 55}
